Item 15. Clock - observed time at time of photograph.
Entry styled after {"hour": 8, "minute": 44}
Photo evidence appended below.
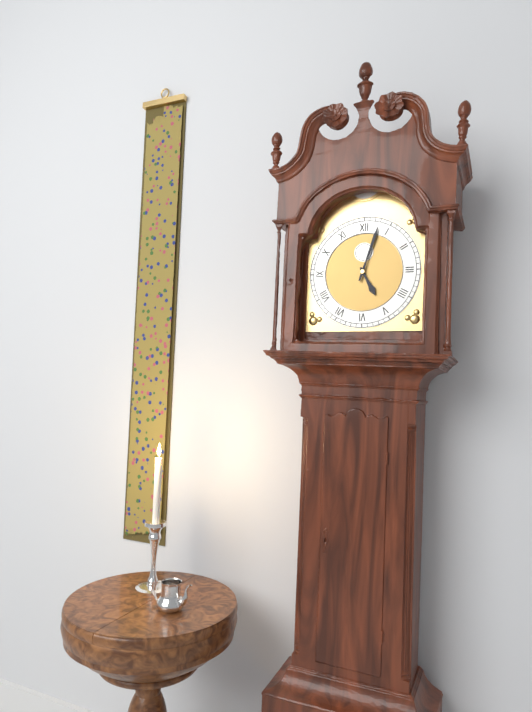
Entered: {"hour": 5, "minute": 3}
